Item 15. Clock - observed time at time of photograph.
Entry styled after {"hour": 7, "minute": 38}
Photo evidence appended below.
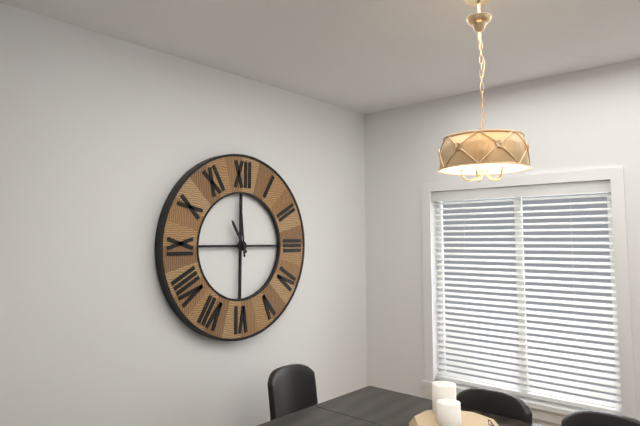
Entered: {"hour": 10, "minute": 59}
